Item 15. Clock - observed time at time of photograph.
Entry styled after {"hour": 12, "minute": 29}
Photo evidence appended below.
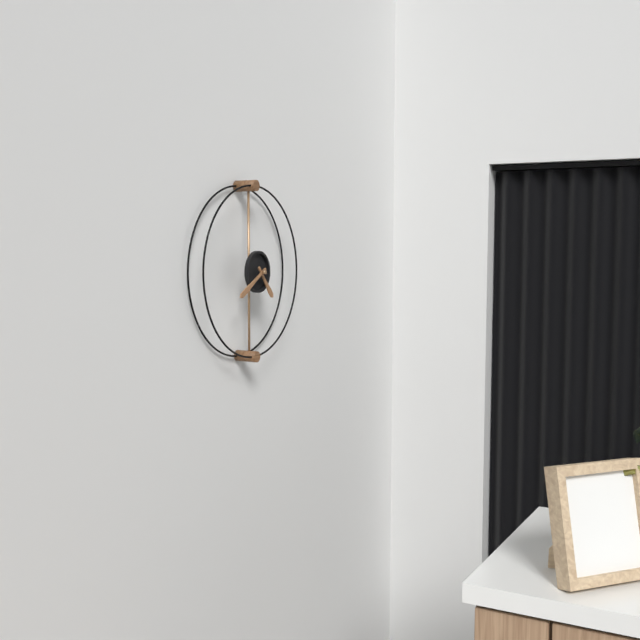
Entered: {"hour": 4, "minute": 40}
